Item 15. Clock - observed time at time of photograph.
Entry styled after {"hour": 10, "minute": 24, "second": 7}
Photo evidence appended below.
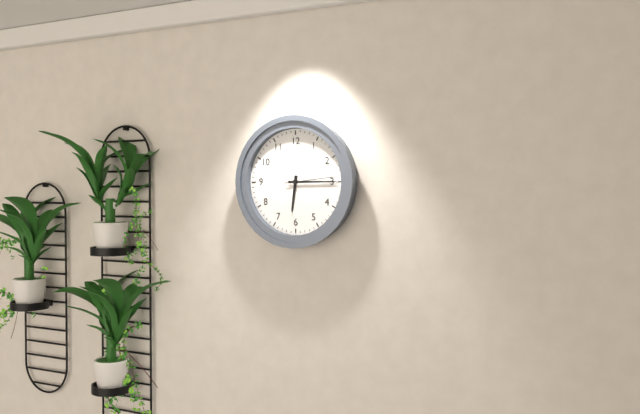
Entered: {"hour": 6, "minute": 15, "second": 14}
